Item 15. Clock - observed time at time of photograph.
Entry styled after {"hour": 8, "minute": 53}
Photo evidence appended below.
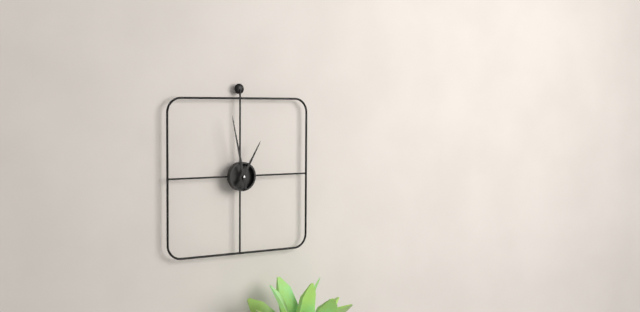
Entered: {"hour": 12, "minute": 58}
